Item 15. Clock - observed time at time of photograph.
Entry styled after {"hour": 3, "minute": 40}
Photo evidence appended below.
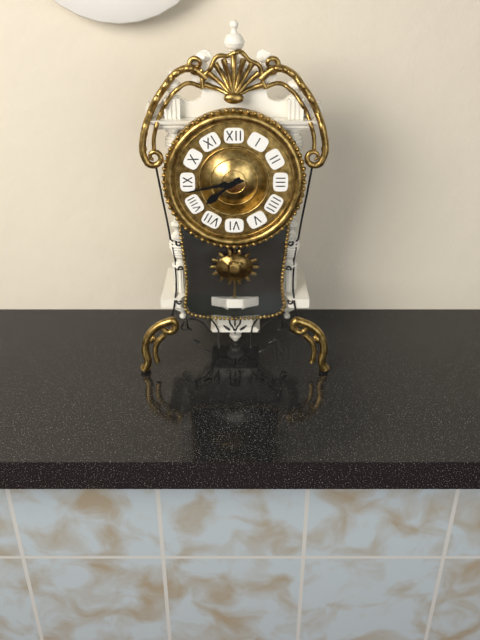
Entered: {"hour": 7, "minute": 43}
